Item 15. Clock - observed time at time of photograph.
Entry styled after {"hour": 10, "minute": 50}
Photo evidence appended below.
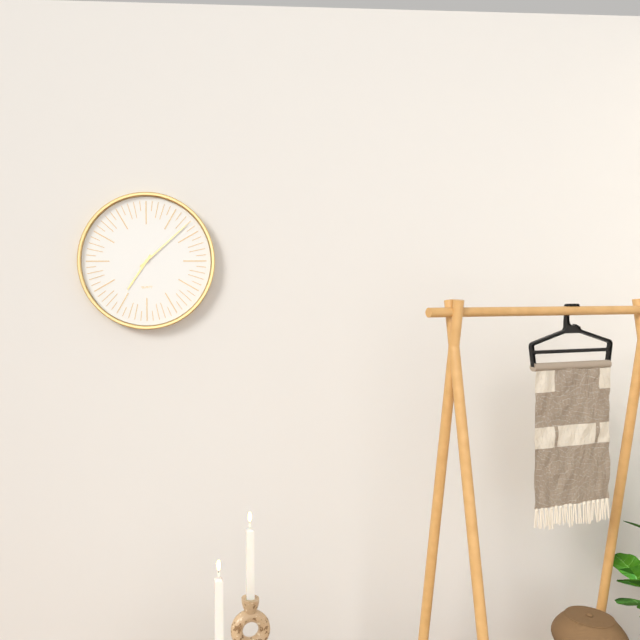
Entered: {"hour": 7, "minute": 8}
